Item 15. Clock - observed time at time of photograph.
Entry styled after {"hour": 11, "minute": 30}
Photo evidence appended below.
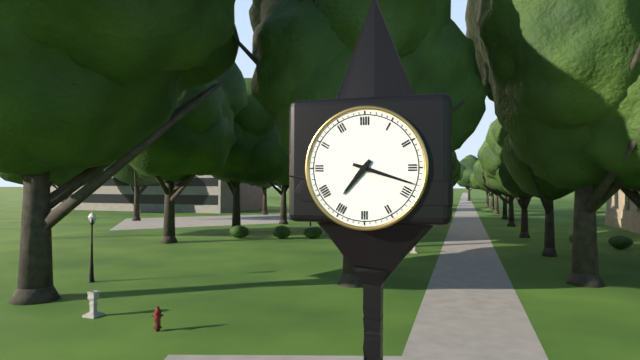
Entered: {"hour": 7, "minute": 18}
